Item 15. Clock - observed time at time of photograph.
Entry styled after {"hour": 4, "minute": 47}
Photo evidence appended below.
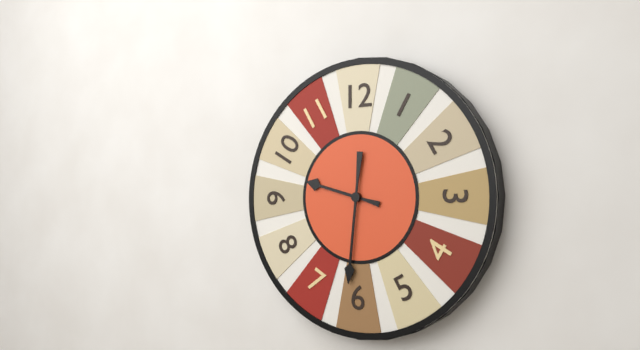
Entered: {"hour": 9, "minute": 31}
